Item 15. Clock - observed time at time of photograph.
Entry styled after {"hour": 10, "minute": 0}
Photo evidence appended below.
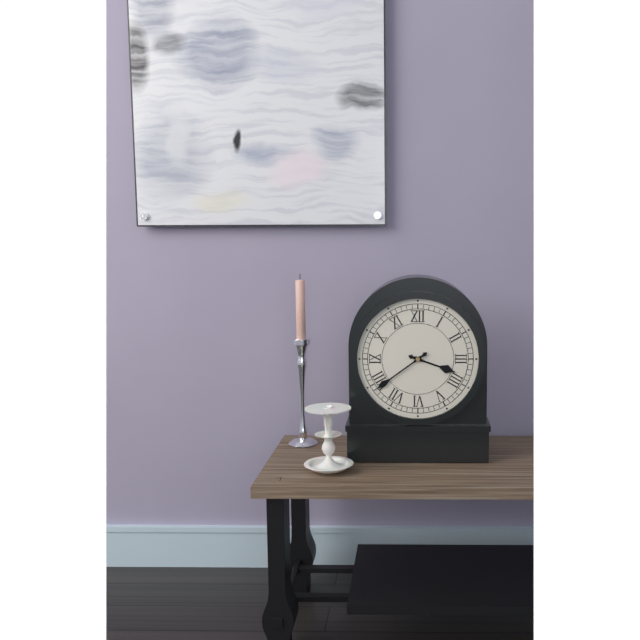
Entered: {"hour": 3, "minute": 39}
